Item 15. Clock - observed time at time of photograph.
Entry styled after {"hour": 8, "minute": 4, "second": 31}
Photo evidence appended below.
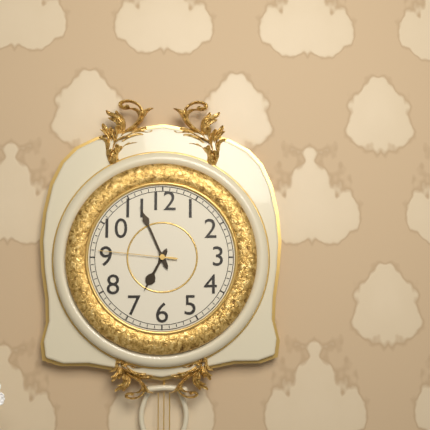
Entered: {"hour": 6, "minute": 56, "second": 46}
